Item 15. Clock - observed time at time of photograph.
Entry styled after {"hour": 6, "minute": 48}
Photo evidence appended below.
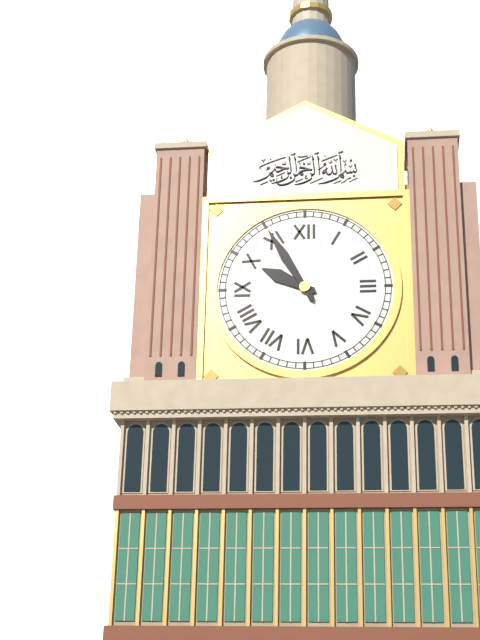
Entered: {"hour": 9, "minute": 55}
